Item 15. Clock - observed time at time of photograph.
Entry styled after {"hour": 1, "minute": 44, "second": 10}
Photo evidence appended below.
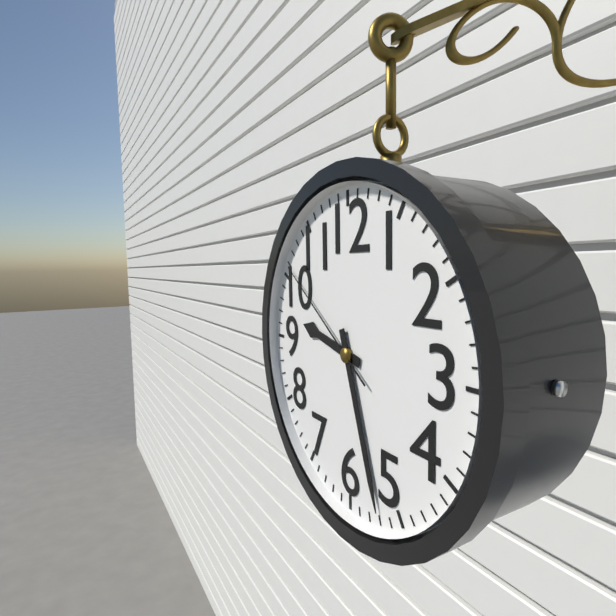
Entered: {"hour": 9, "minute": 27, "second": 51}
